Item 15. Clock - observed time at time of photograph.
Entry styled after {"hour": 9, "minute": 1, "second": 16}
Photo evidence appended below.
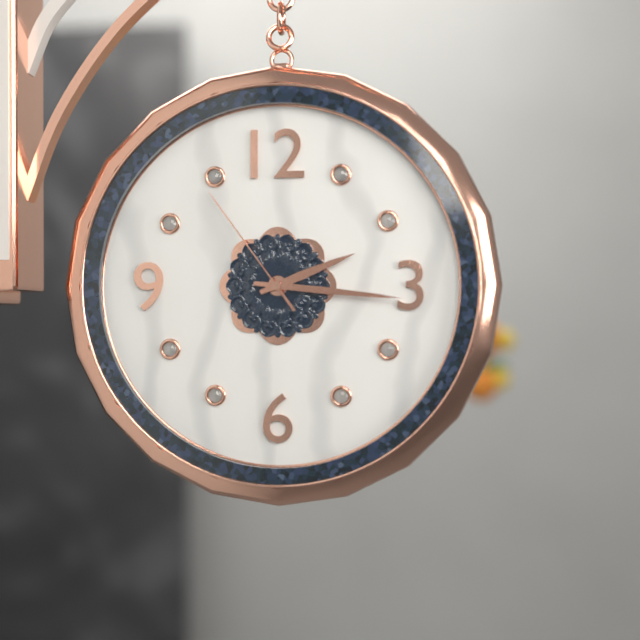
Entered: {"hour": 2, "minute": 16, "second": 54}
